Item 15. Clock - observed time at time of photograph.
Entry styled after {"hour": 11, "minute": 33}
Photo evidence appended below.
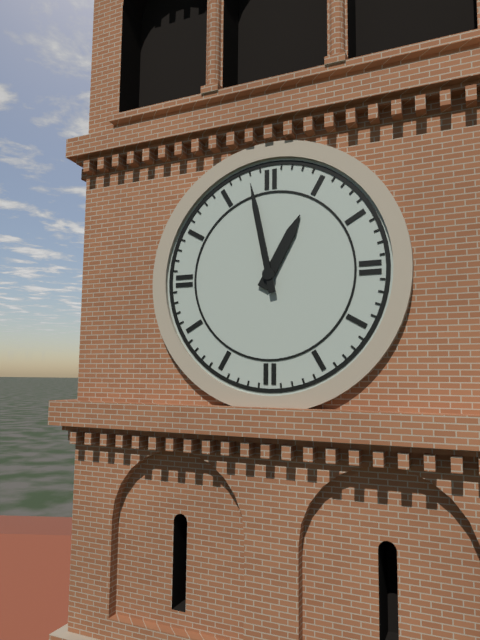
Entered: {"hour": 12, "minute": 58}
